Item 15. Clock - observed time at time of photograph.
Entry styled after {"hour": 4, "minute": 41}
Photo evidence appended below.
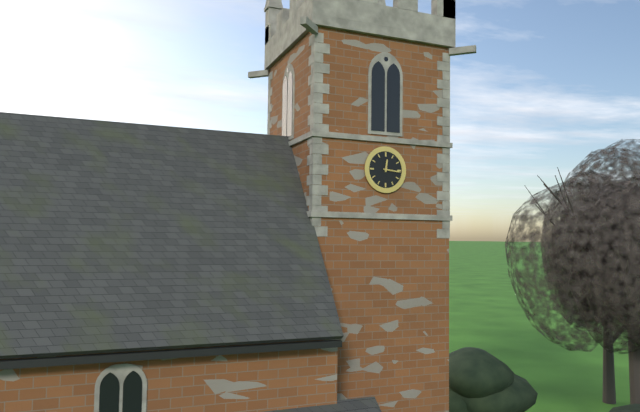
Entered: {"hour": 12, "minute": 16}
